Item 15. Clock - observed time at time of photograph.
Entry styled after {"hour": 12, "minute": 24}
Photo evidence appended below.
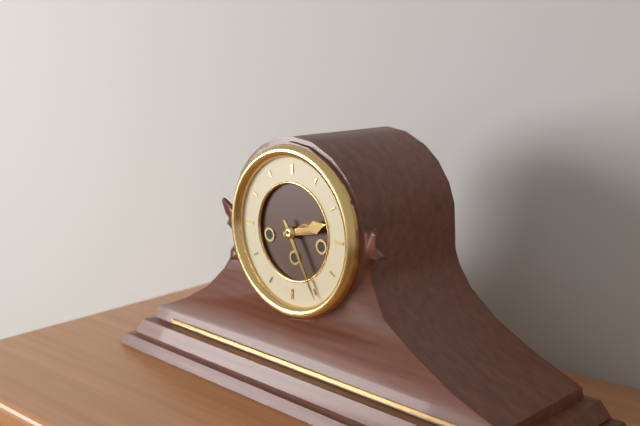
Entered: {"hour": 2, "minute": 25}
